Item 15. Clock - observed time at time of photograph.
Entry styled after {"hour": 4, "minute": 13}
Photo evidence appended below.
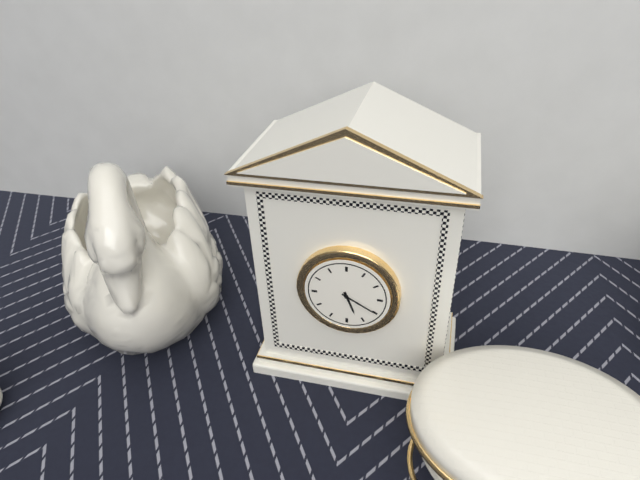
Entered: {"hour": 5, "minute": 20}
